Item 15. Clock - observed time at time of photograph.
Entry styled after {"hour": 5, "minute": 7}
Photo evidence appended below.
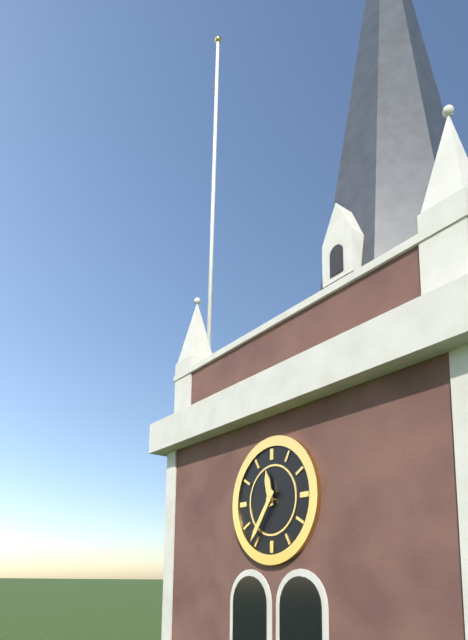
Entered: {"hour": 11, "minute": 36}
